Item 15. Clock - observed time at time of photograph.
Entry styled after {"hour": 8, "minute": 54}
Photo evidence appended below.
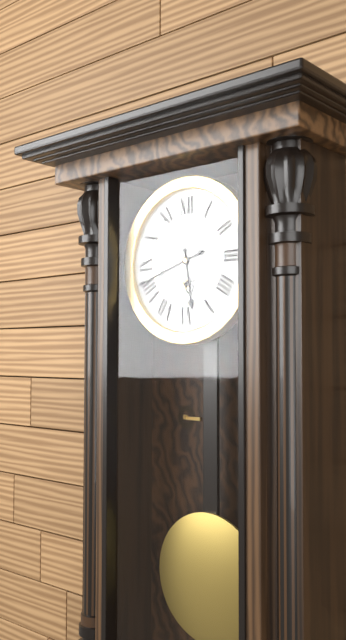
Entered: {"hour": 5, "minute": 42}
